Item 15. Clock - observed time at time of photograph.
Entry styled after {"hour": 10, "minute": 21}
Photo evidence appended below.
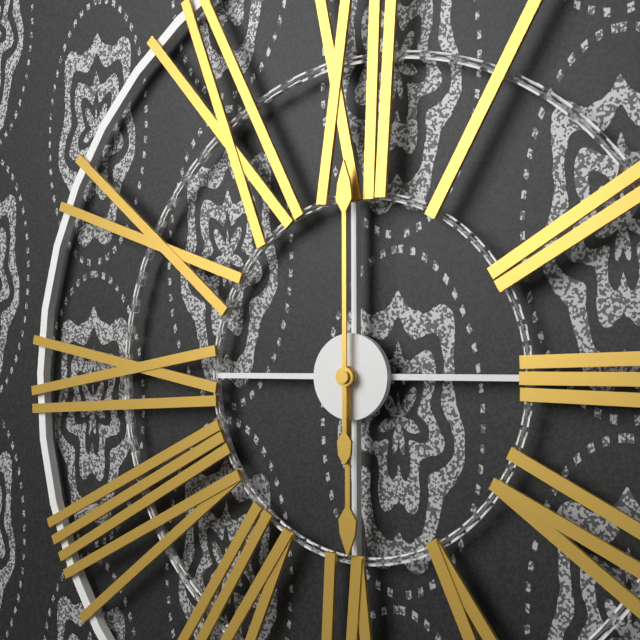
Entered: {"hour": 6, "minute": 0}
